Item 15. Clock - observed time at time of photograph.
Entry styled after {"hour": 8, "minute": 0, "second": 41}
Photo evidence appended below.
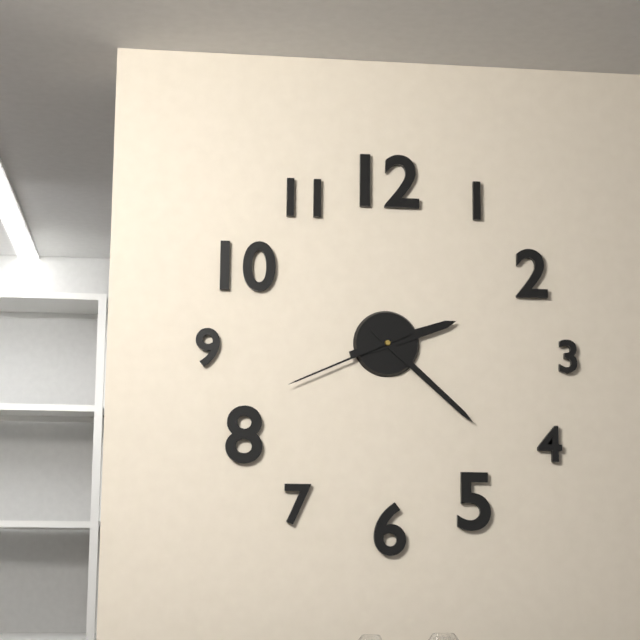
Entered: {"hour": 2, "minute": 22, "second": 41}
